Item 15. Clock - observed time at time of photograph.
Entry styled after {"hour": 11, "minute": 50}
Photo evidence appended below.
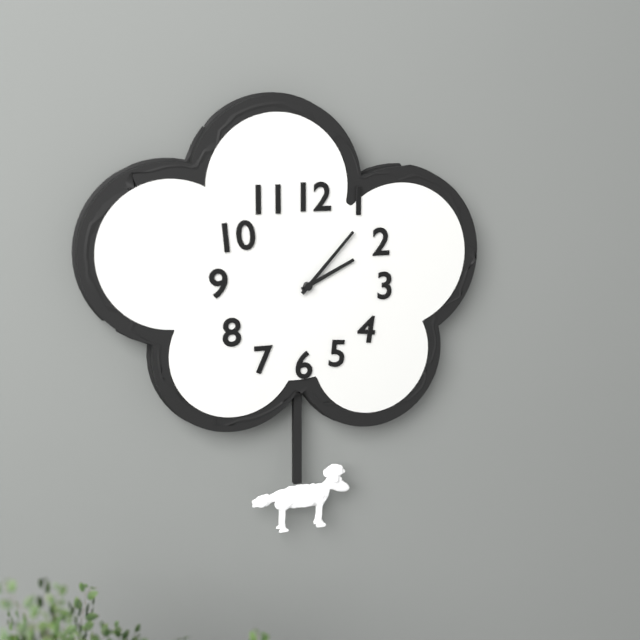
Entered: {"hour": 2, "minute": 7}
